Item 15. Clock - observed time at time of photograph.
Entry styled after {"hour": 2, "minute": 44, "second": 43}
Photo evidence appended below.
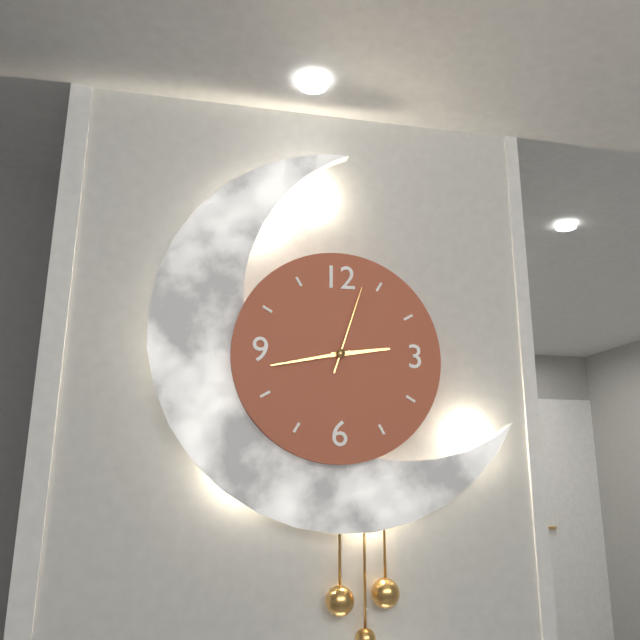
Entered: {"hour": 2, "minute": 43, "second": 3}
